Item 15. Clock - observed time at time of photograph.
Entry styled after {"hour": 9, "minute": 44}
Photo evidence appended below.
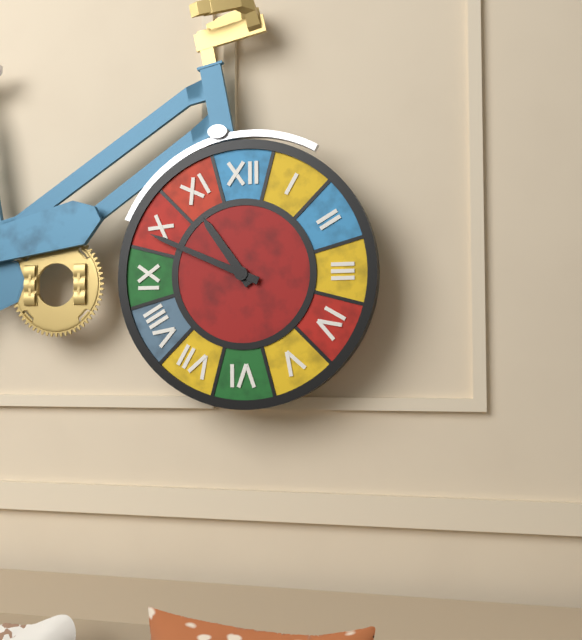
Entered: {"hour": 10, "minute": 49}
